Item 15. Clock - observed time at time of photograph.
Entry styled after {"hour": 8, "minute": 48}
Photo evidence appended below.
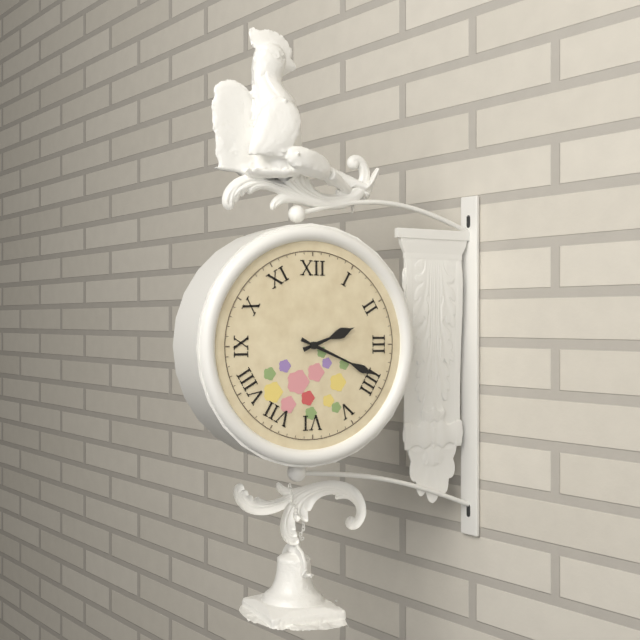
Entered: {"hour": 2, "minute": 19}
